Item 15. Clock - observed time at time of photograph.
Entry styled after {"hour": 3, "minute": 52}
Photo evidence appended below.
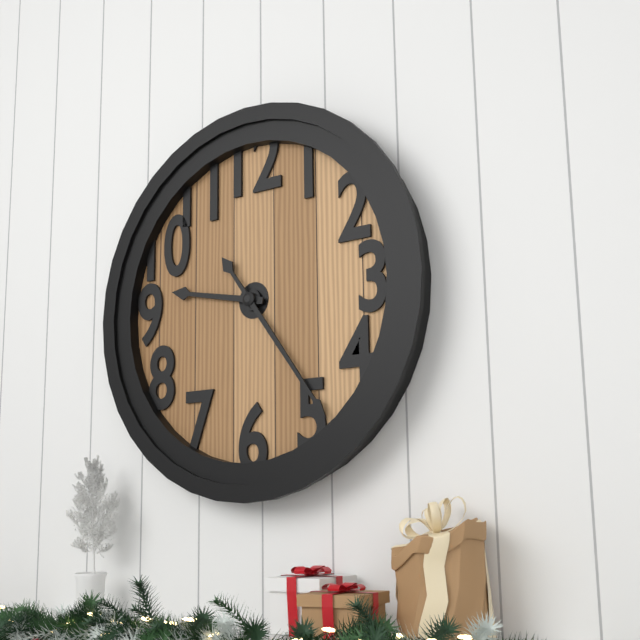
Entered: {"hour": 9, "minute": 24}
